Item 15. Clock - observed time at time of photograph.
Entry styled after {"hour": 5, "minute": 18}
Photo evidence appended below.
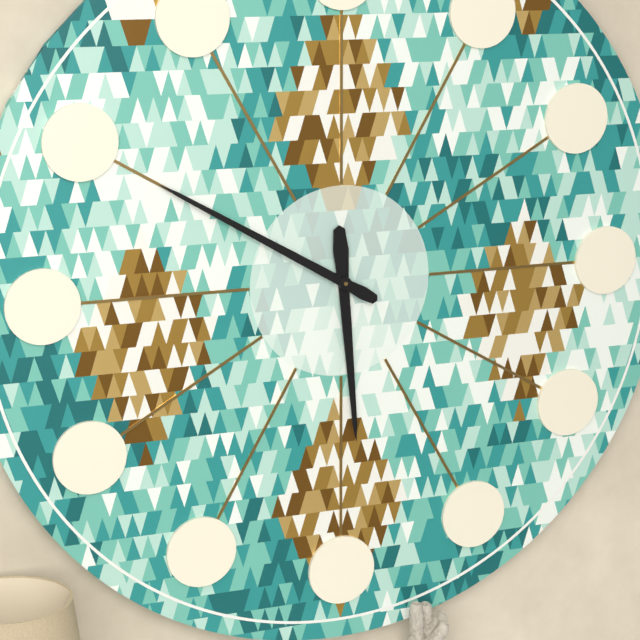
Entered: {"hour": 5, "minute": 50}
